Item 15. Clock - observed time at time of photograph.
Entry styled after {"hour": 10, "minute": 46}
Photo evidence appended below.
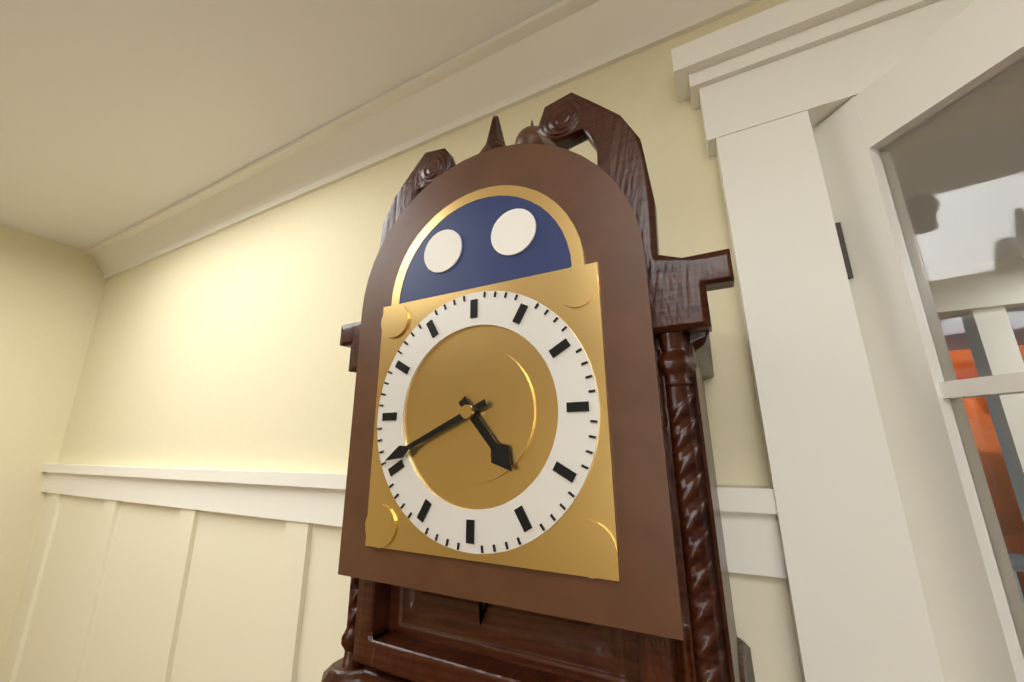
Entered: {"hour": 4, "minute": 41}
